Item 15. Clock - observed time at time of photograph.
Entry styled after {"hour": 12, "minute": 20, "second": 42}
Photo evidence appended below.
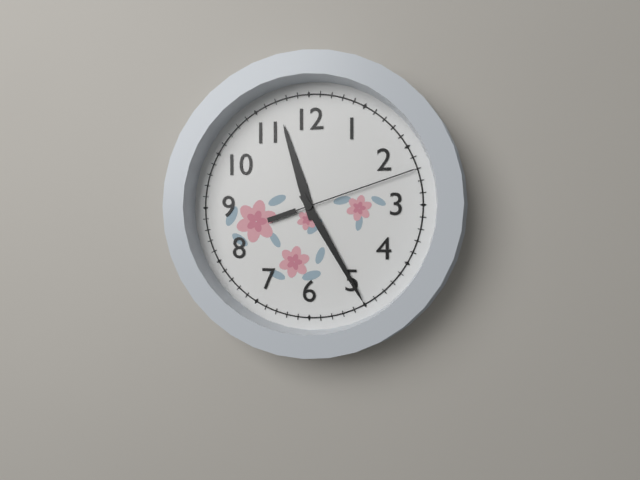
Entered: {"hour": 11, "minute": 25, "second": 12}
